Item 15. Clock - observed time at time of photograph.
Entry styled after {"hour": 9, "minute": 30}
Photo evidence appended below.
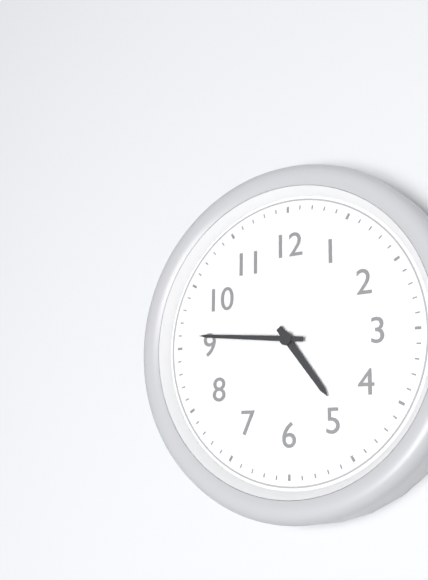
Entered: {"hour": 4, "minute": 46}
